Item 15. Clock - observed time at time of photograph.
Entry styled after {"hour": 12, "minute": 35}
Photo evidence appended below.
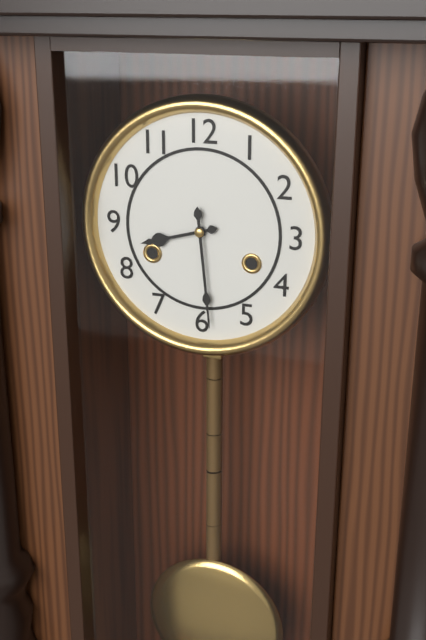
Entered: {"hour": 8, "minute": 29}
